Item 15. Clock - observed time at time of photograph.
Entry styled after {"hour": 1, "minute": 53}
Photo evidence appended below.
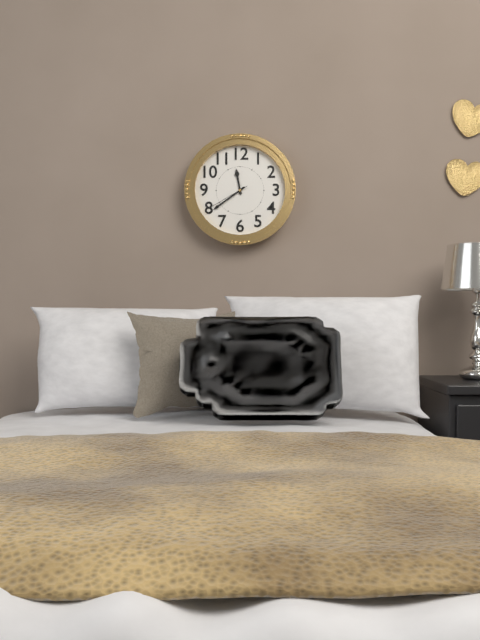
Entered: {"hour": 11, "minute": 39}
